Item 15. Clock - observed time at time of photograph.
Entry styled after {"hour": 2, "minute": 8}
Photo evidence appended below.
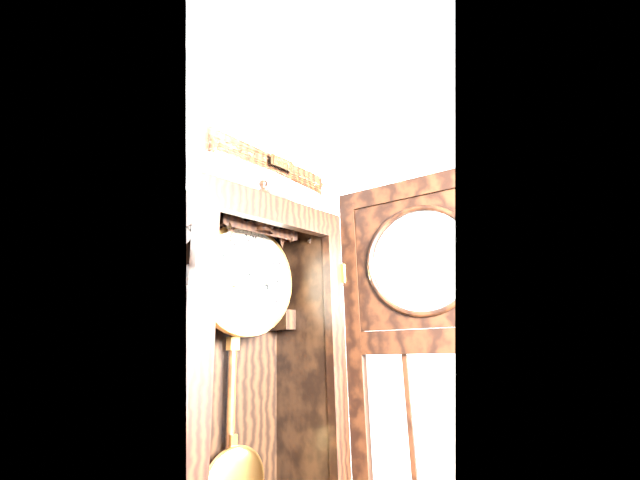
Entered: {"hour": 11, "minute": 30}
